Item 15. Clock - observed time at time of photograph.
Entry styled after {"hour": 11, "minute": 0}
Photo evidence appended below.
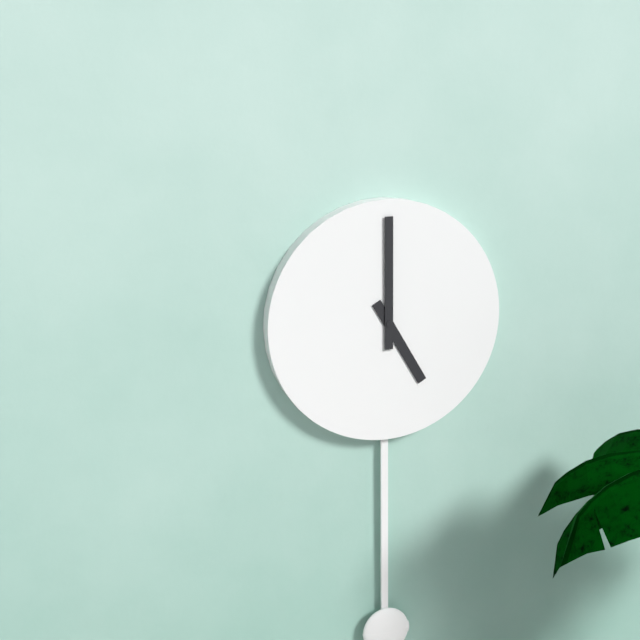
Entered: {"hour": 5, "minute": 0}
